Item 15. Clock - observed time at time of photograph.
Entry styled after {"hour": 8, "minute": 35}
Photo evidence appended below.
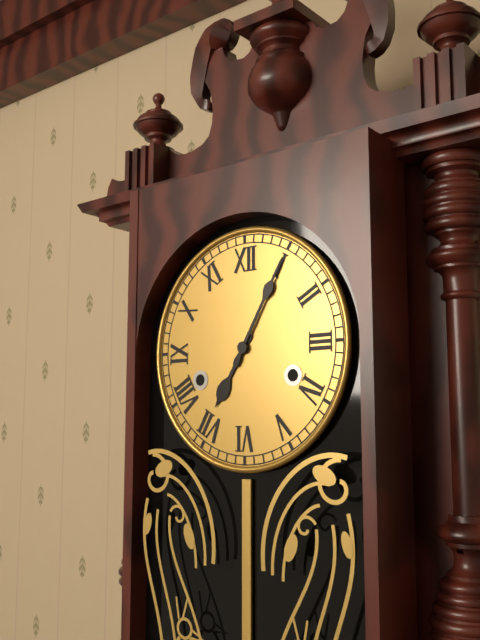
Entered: {"hour": 7, "minute": 5}
